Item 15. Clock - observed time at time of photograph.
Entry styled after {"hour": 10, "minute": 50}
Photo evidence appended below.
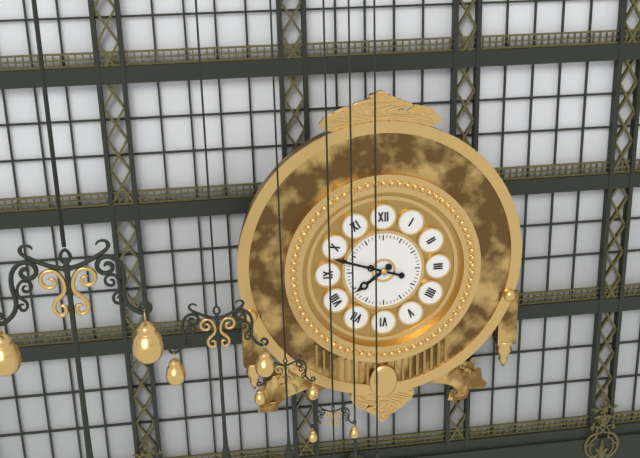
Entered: {"hour": 7, "minute": 48}
